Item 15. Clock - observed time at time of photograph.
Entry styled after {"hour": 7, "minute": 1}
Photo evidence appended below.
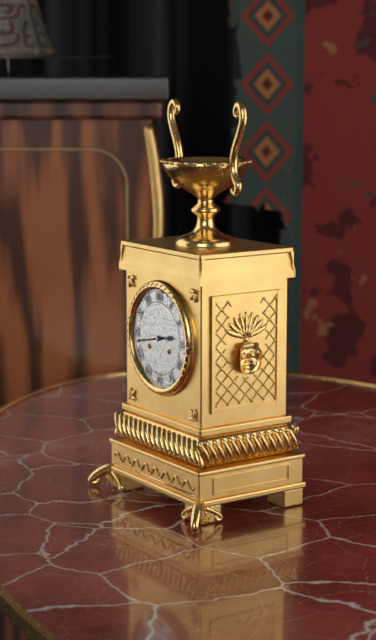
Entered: {"hour": 2, "minute": 43}
